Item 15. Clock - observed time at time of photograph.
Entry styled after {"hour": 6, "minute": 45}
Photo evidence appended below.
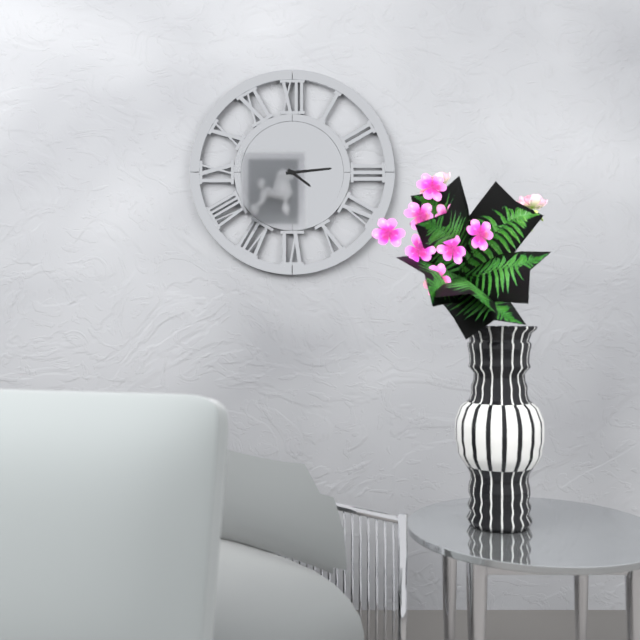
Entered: {"hour": 4, "minute": 14}
